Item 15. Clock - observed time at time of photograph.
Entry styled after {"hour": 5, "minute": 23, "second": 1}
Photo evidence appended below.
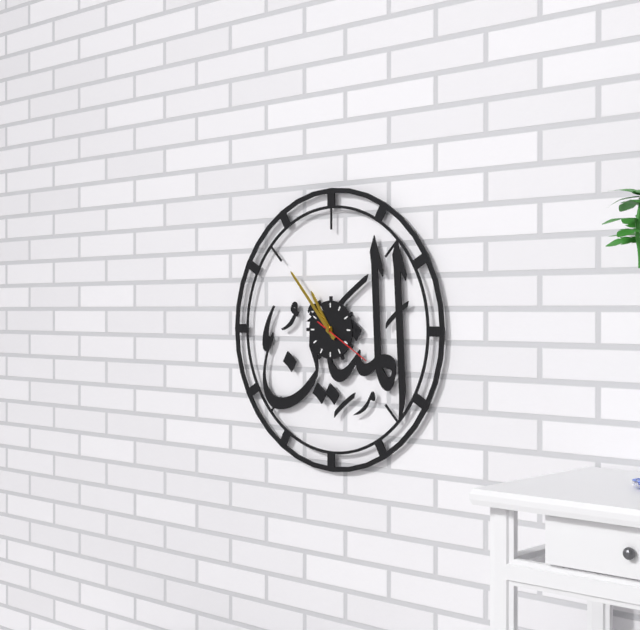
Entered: {"hour": 10, "minute": 53, "second": 20}
